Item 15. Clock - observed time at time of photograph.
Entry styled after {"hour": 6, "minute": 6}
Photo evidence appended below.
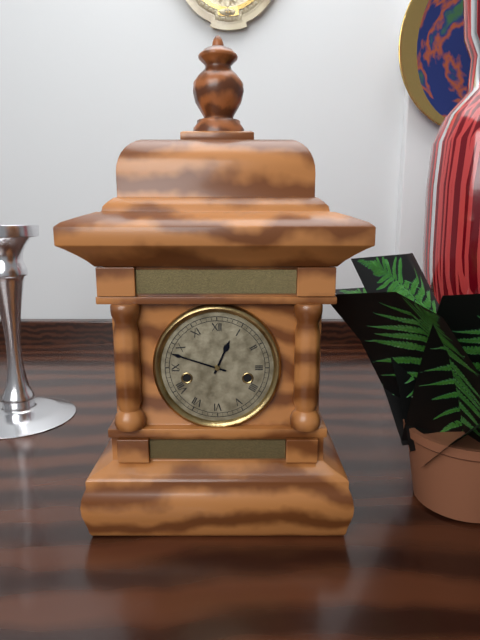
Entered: {"hour": 12, "minute": 48}
